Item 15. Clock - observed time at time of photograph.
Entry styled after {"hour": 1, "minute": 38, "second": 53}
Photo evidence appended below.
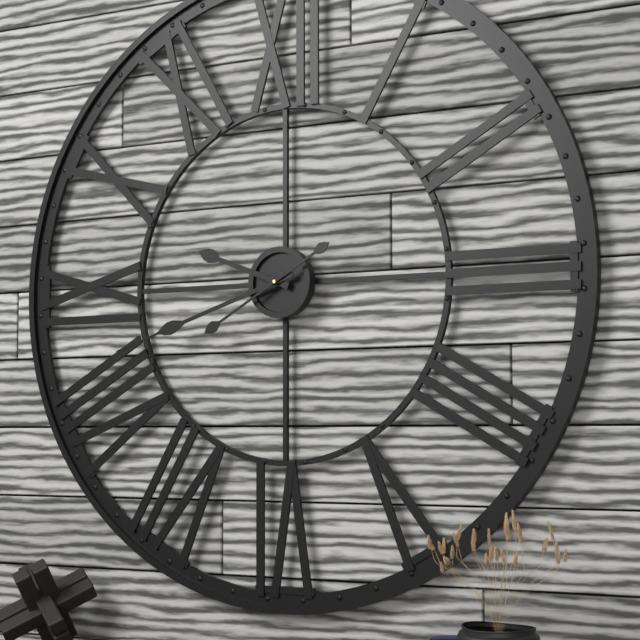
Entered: {"hour": 9, "minute": 42, "second": 40}
